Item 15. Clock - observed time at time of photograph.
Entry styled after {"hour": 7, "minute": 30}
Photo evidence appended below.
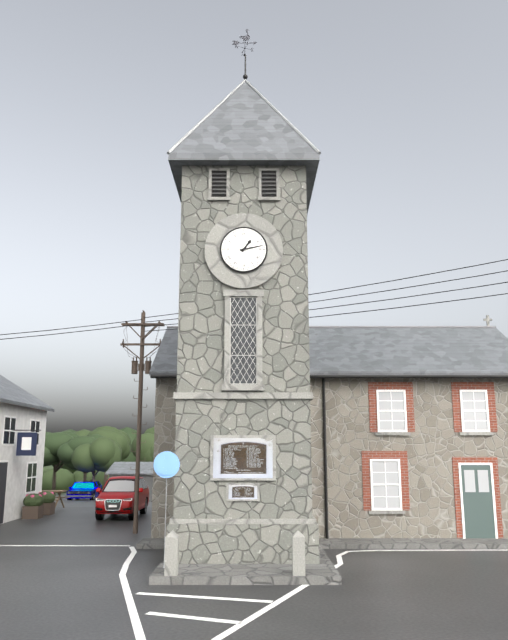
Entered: {"hour": 1, "minute": 13}
